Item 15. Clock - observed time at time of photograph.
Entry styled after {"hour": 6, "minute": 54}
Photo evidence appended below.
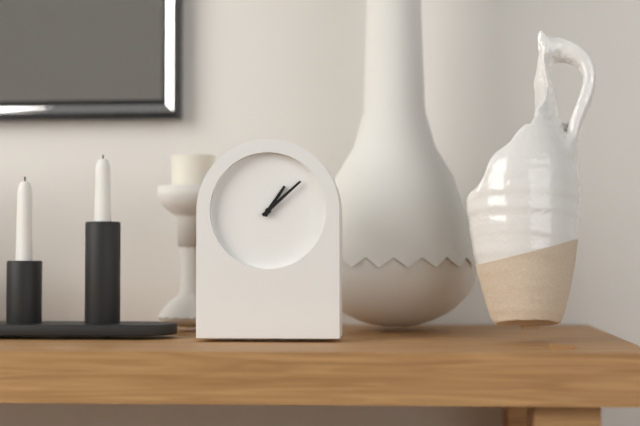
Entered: {"hour": 1, "minute": 8}
